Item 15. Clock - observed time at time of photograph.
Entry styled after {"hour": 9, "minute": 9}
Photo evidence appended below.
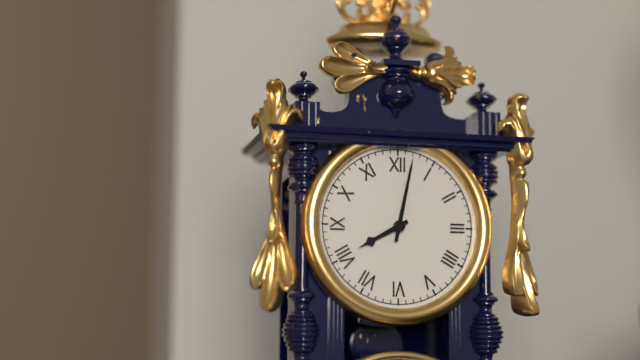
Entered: {"hour": 8, "minute": 2}
